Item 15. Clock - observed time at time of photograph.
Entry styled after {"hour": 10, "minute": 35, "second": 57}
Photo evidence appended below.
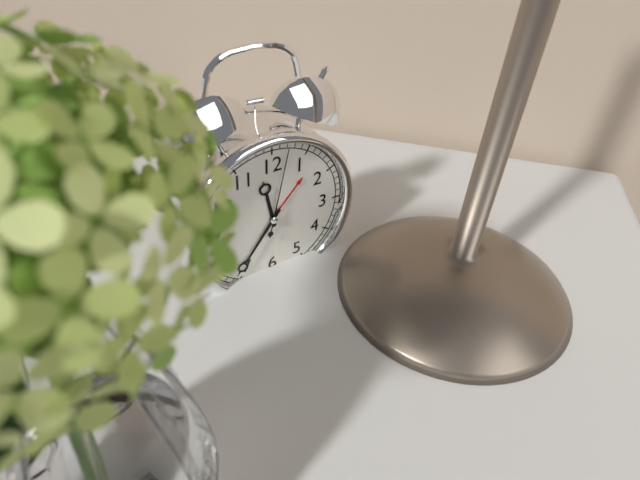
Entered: {"hour": 11, "minute": 36, "second": 2}
